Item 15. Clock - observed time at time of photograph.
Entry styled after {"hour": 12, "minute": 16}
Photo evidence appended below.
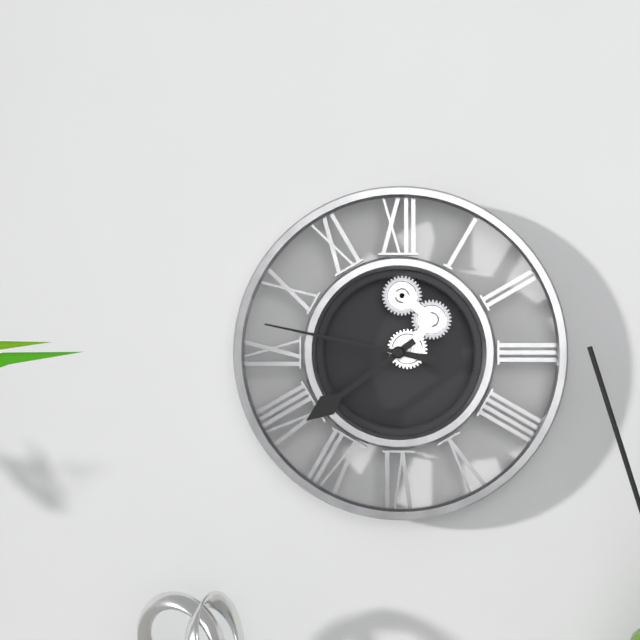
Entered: {"hour": 7, "minute": 47}
